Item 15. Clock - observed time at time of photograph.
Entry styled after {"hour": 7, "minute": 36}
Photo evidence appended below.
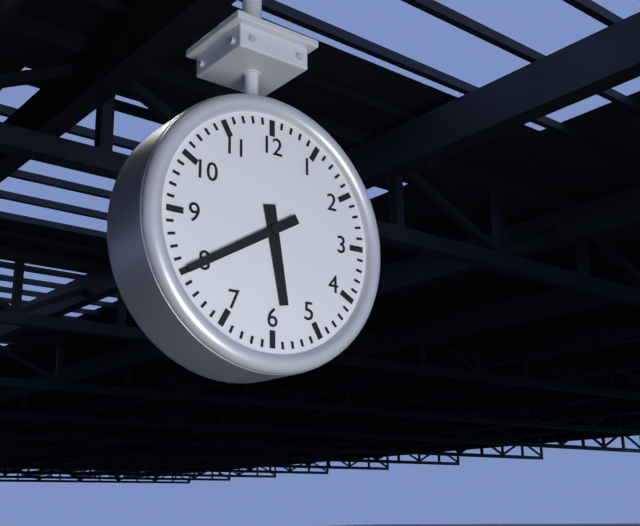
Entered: {"hour": 5, "minute": 40}
